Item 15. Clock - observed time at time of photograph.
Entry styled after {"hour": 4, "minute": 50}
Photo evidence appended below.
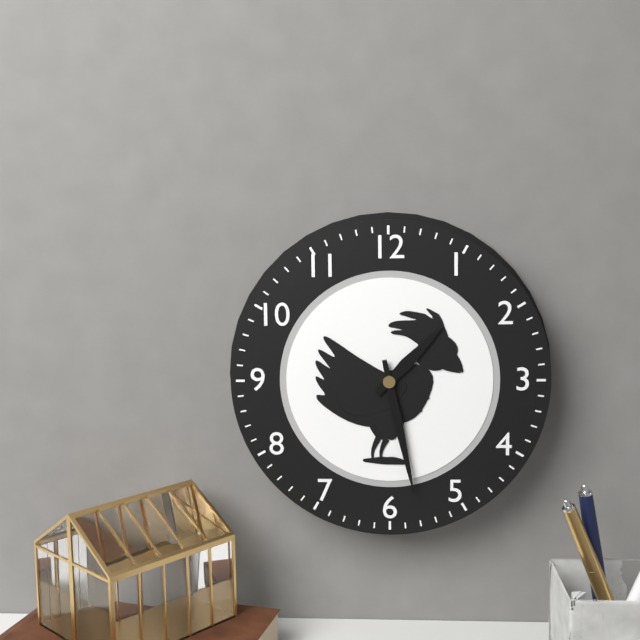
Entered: {"hour": 1, "minute": 28}
